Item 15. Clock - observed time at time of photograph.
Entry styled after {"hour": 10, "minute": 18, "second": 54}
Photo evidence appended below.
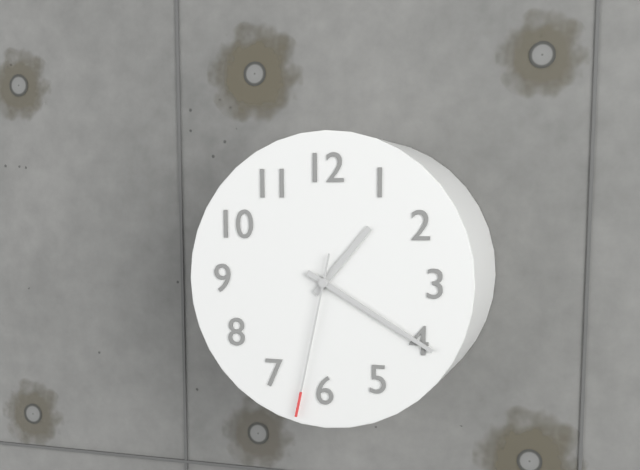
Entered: {"hour": 1, "minute": 20, "second": 32}
